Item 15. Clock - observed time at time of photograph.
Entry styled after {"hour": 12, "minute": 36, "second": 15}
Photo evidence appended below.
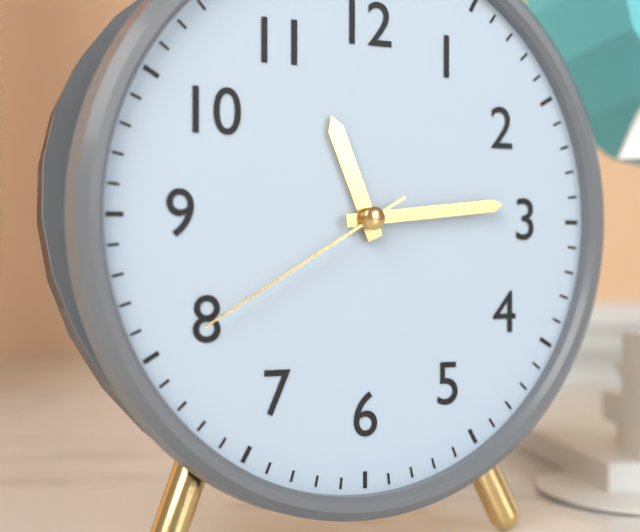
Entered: {"hour": 11, "minute": 14, "second": 40}
